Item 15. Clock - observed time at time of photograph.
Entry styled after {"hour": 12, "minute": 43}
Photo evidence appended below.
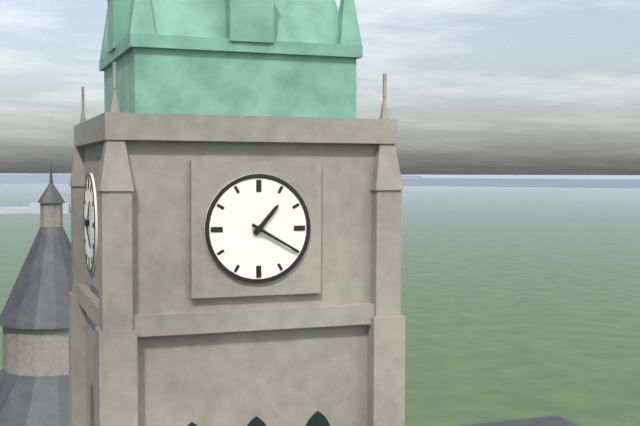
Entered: {"hour": 1, "minute": 20}
